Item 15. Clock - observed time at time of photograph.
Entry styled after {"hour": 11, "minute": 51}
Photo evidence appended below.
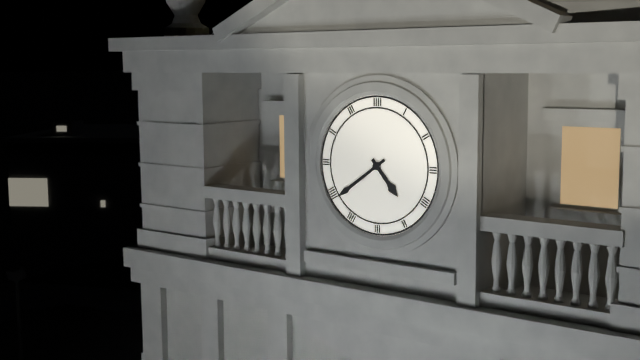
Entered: {"hour": 4, "minute": 39}
